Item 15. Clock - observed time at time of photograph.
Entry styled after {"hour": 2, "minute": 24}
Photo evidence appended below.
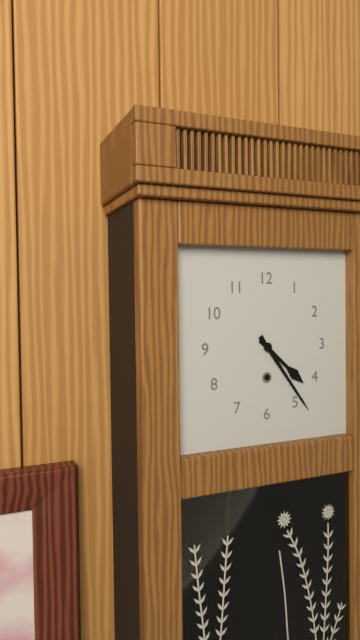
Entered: {"hour": 4, "minute": 24}
